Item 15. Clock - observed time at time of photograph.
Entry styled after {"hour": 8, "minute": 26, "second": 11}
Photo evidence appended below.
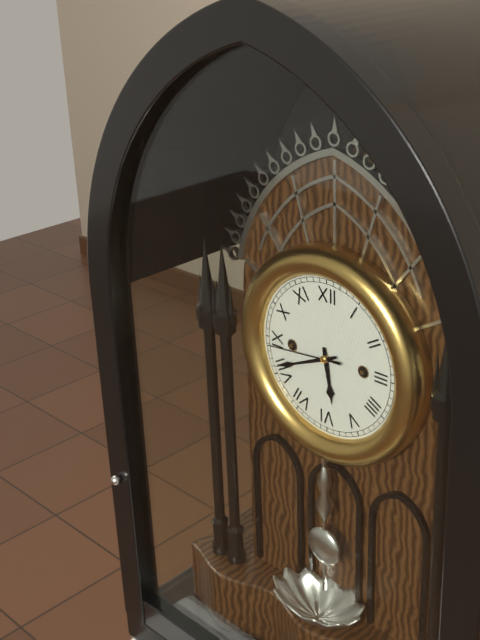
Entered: {"hour": 5, "minute": 41, "second": 44}
